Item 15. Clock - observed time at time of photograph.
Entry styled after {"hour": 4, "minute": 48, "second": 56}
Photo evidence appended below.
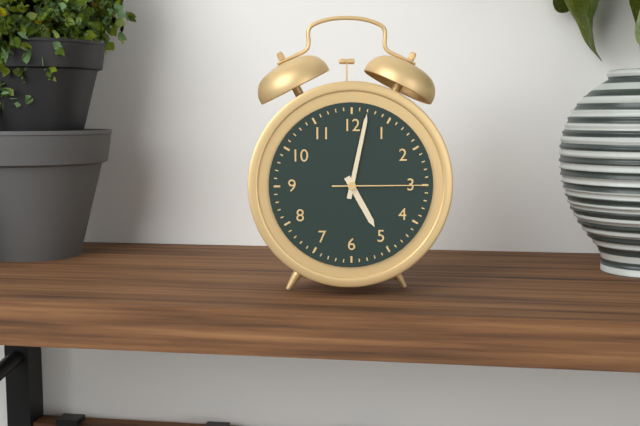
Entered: {"hour": 5, "minute": 2, "second": 15}
